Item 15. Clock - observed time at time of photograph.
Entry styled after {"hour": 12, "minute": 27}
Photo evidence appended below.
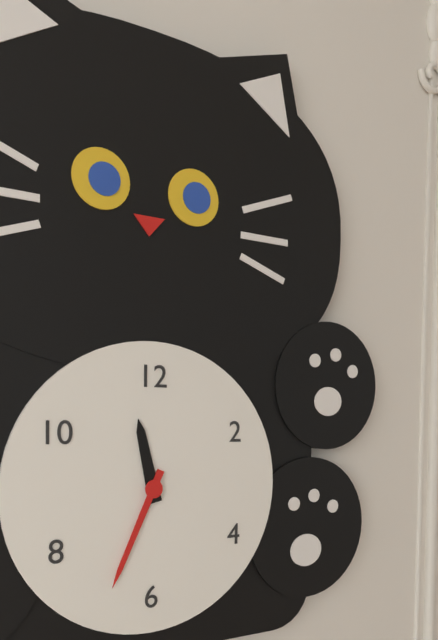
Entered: {"hour": 11, "minute": 34}
